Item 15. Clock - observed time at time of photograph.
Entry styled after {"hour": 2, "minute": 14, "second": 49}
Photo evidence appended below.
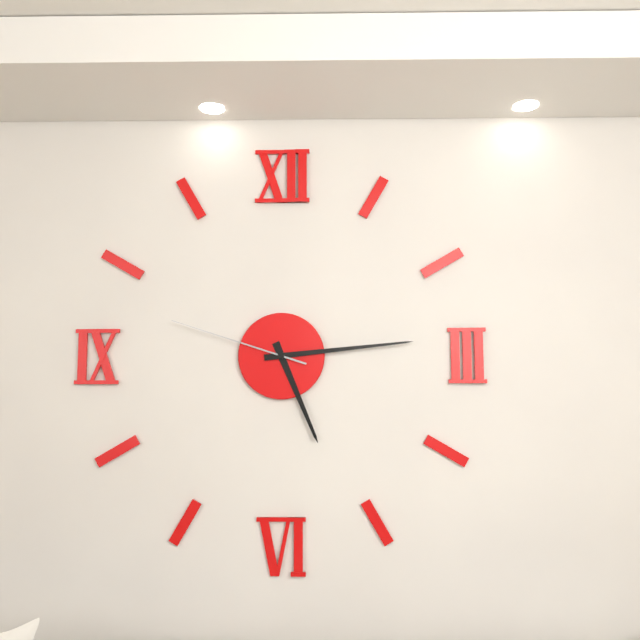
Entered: {"hour": 5, "minute": 14, "second": 48}
